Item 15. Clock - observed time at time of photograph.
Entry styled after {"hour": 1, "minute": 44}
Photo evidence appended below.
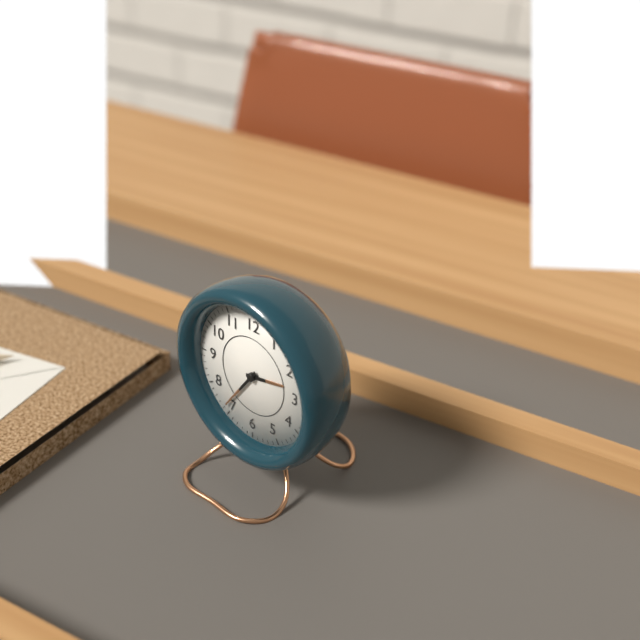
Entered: {"hour": 2, "minute": 36}
